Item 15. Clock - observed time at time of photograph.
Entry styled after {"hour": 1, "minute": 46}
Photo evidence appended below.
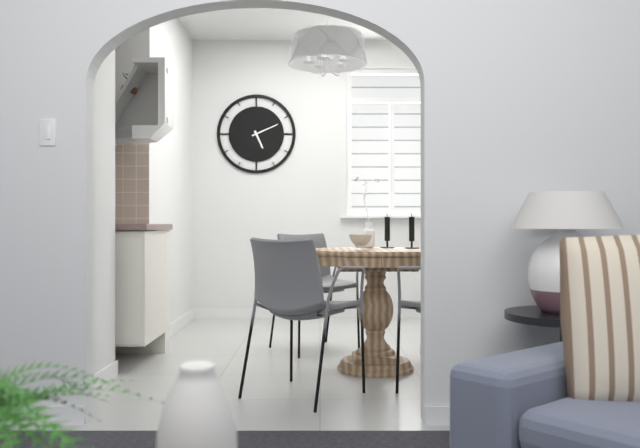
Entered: {"hour": 5, "minute": 11}
